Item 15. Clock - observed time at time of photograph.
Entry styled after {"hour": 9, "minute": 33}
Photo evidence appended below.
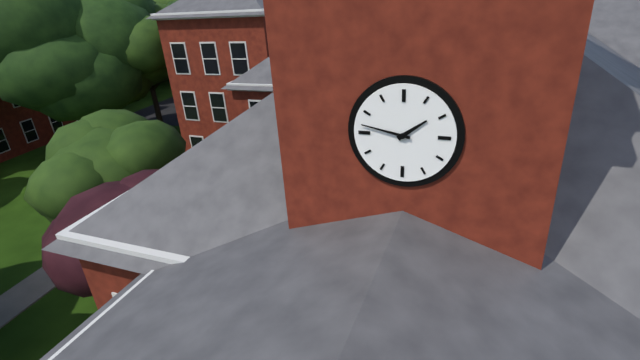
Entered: {"hour": 1, "minute": 47}
